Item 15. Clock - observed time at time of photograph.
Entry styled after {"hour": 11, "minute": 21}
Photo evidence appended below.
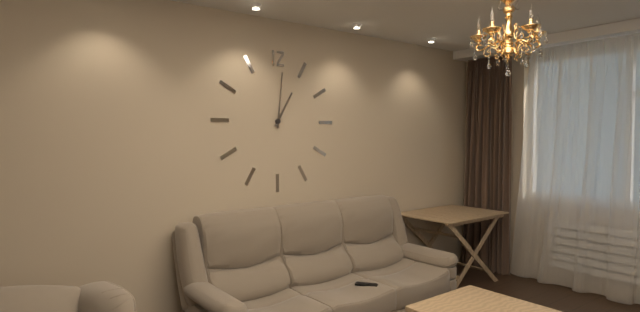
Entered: {"hour": 1, "minute": 1}
